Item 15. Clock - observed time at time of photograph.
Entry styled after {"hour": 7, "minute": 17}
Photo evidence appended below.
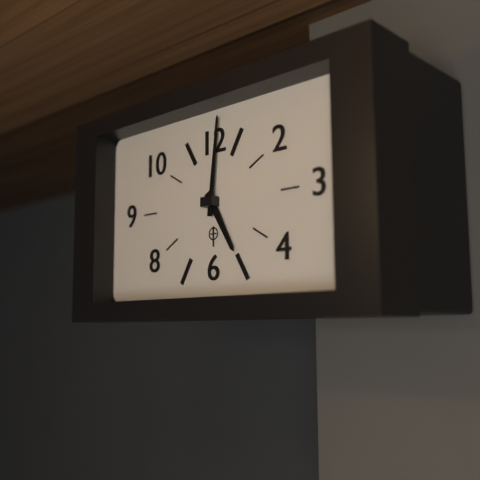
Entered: {"hour": 5, "minute": 1}
